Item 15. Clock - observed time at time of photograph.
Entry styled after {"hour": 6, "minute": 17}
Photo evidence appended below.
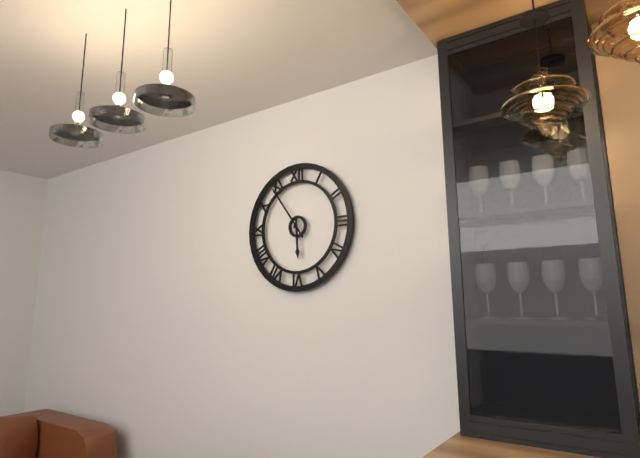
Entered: {"hour": 5, "minute": 54}
